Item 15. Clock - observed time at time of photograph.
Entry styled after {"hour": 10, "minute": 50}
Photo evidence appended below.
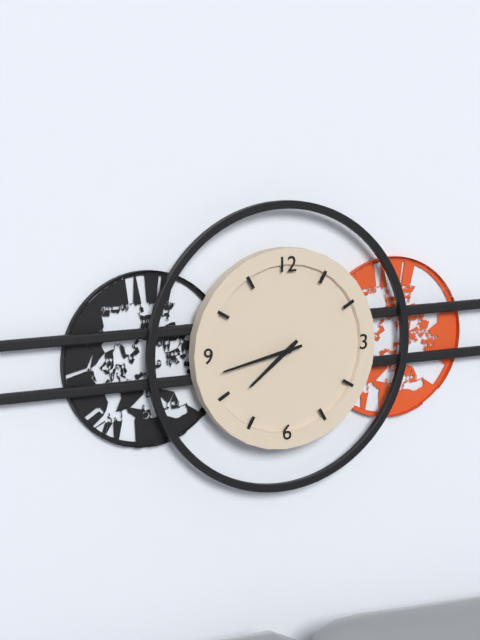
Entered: {"hour": 7, "minute": 43}
